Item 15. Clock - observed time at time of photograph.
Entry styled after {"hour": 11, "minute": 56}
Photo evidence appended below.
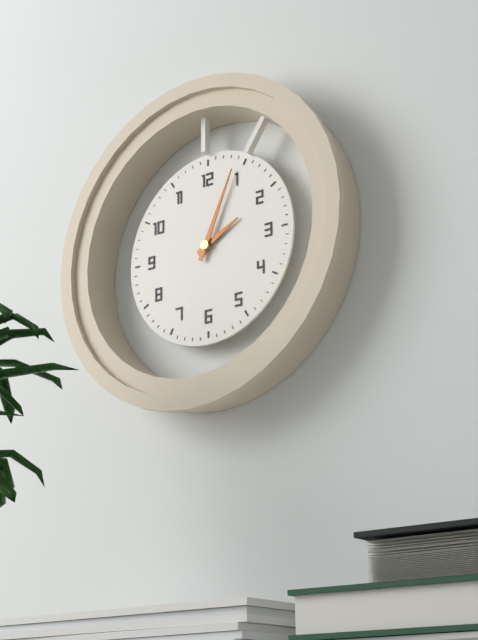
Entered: {"hour": 2, "minute": 4}
